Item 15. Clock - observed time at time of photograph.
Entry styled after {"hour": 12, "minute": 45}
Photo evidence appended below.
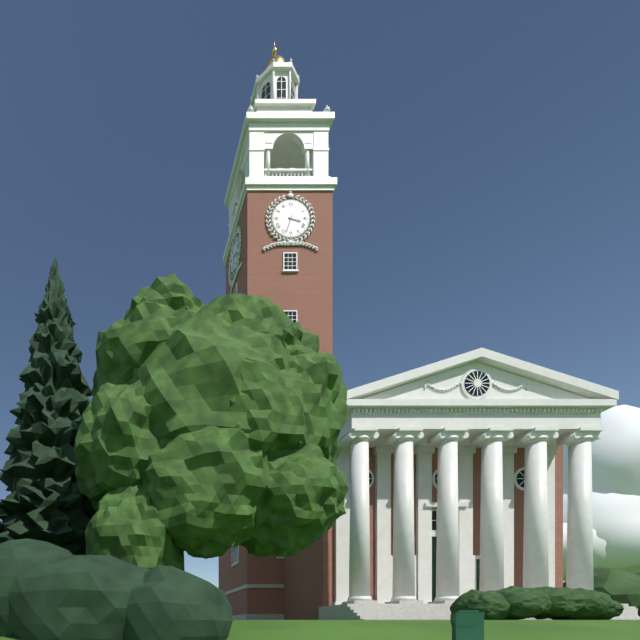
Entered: {"hour": 3, "minute": 33}
